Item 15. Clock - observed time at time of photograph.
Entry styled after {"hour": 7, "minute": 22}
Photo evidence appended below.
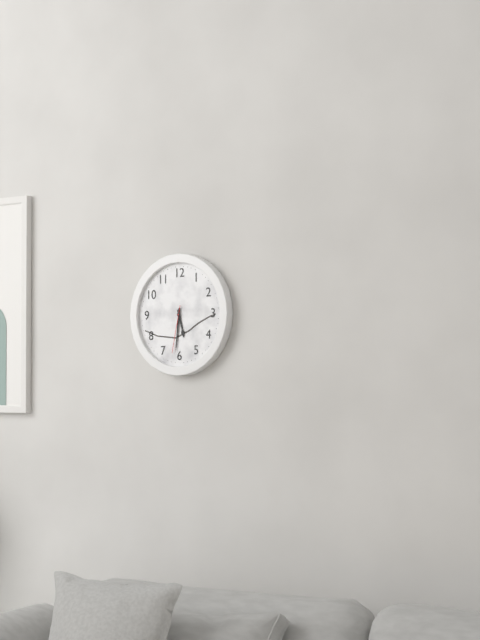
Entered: {"hour": 5, "minute": 31}
